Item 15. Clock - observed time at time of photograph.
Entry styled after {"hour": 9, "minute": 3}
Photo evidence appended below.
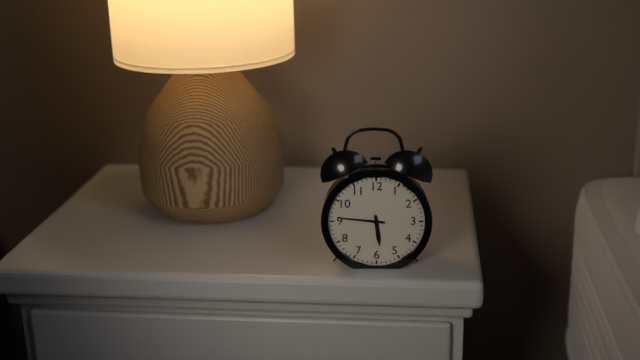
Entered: {"hour": 5, "minute": 46}
